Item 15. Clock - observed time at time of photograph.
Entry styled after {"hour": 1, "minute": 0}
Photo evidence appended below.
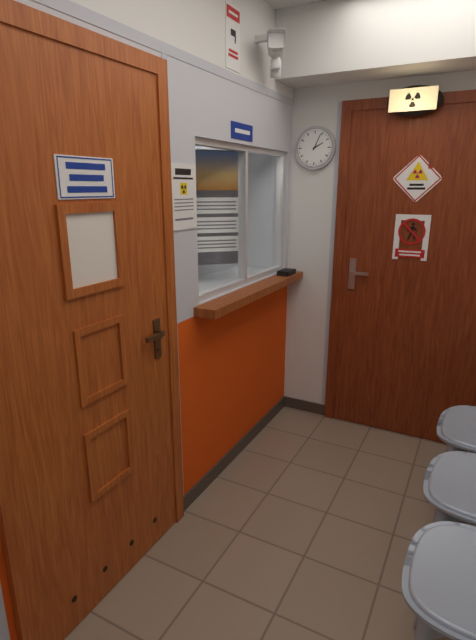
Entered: {"hour": 2, "minute": 4}
